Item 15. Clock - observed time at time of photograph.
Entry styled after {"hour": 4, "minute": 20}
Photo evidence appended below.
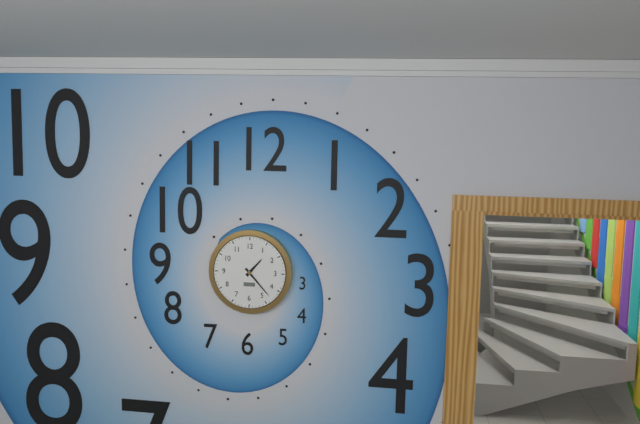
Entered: {"hour": 1, "minute": 23}
